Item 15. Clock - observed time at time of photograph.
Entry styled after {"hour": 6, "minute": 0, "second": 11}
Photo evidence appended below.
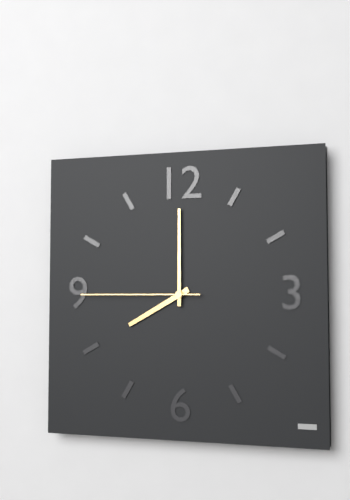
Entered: {"hour": 8, "minute": 0, "second": 45}
